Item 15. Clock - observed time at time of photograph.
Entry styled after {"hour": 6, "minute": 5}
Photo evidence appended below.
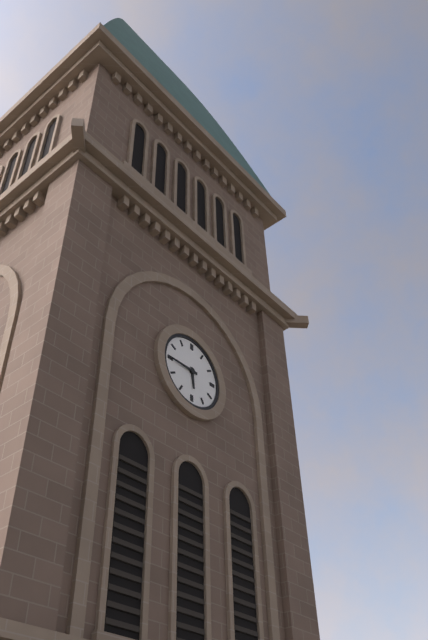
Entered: {"hour": 5, "minute": 45}
